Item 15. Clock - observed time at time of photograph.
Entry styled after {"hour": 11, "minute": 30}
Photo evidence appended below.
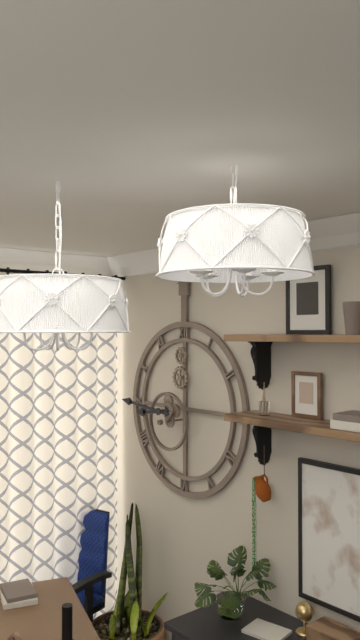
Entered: {"hour": 8, "minute": 46}
